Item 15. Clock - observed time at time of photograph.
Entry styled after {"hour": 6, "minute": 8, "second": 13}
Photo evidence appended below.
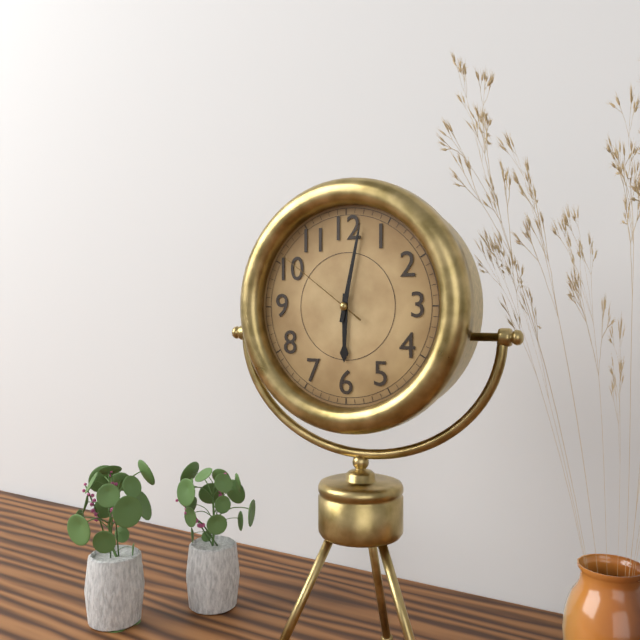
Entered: {"hour": 6, "minute": 2, "second": 51}
